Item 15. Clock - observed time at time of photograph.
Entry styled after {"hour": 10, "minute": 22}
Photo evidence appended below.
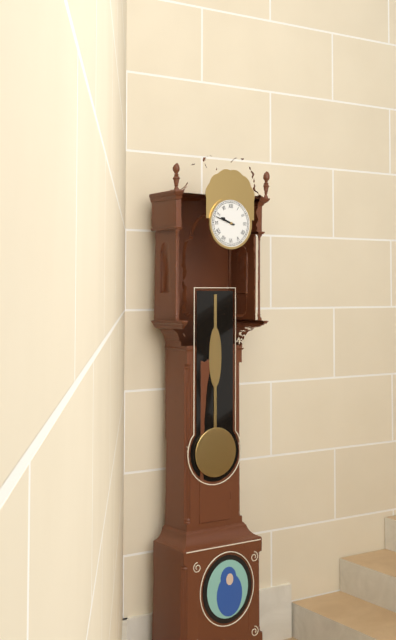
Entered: {"hour": 9, "minute": 48}
